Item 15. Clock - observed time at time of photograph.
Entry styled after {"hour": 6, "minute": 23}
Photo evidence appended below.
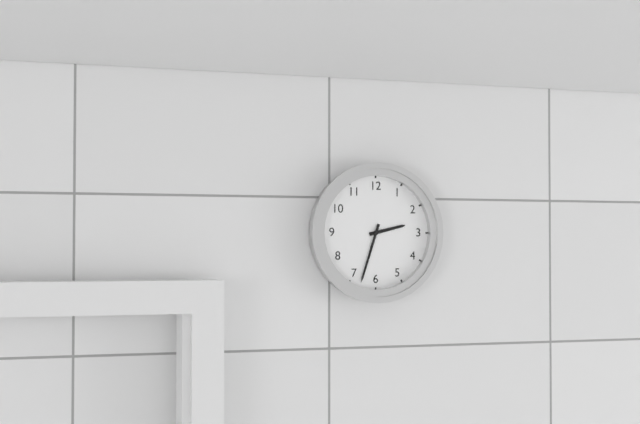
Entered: {"hour": 2, "minute": 33}
